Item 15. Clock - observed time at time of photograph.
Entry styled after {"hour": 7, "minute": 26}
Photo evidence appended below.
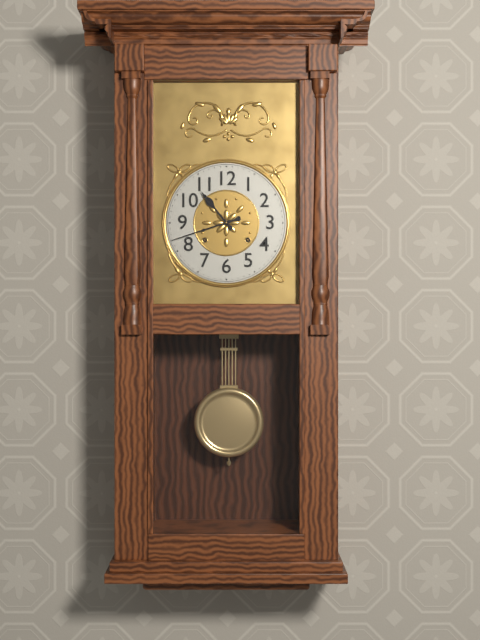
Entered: {"hour": 10, "minute": 42}
